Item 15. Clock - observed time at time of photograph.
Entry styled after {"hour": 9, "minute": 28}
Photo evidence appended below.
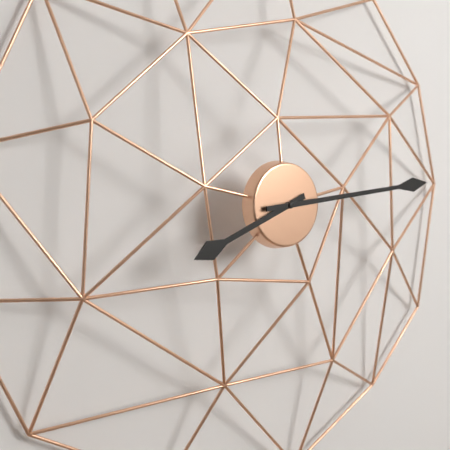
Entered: {"hour": 8, "minute": 14}
